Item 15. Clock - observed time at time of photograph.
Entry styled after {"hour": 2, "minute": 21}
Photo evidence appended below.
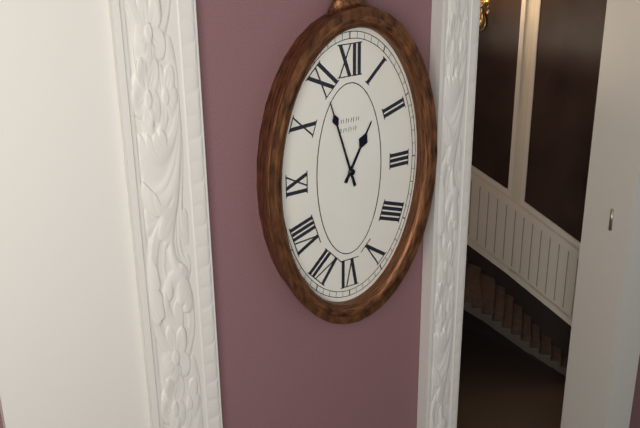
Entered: {"hour": 12, "minute": 57}
